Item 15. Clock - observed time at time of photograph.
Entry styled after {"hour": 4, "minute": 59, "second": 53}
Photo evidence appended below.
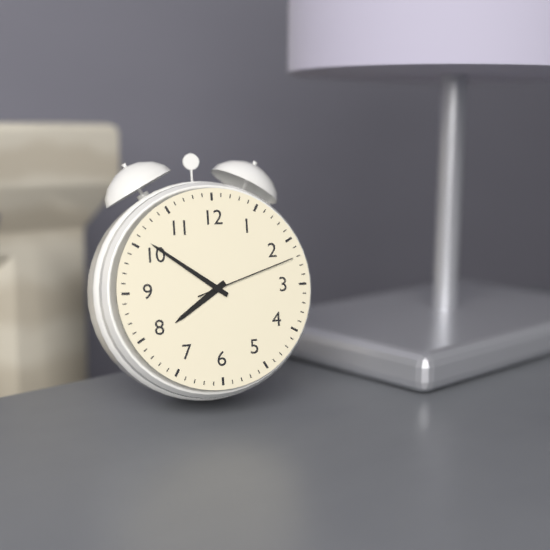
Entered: {"hour": 7, "minute": 51, "second": 12}
